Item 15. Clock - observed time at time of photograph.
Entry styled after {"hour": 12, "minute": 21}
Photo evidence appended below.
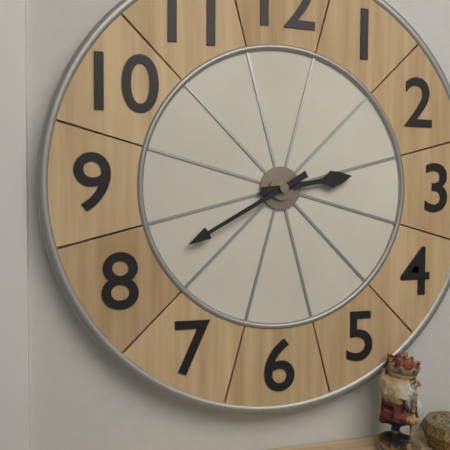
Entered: {"hour": 2, "minute": 40}
